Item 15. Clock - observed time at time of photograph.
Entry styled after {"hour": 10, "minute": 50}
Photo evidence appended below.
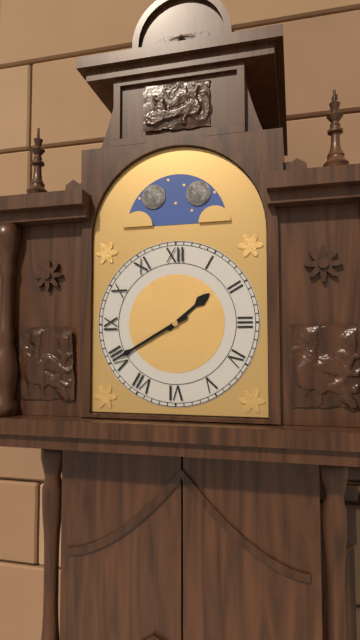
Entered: {"hour": 1, "minute": 40}
